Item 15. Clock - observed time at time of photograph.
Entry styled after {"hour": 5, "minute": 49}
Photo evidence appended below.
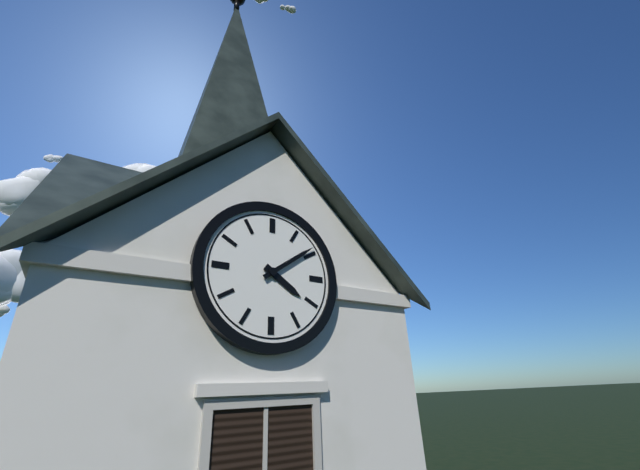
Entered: {"hour": 4, "minute": 9}
